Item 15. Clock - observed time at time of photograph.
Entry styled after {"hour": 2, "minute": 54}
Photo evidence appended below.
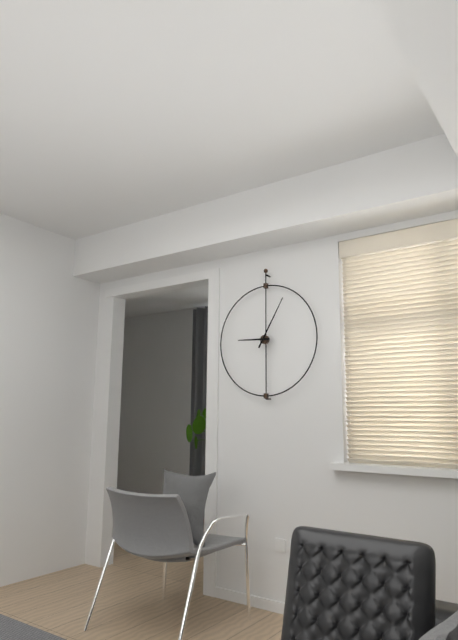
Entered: {"hour": 9, "minute": 5}
